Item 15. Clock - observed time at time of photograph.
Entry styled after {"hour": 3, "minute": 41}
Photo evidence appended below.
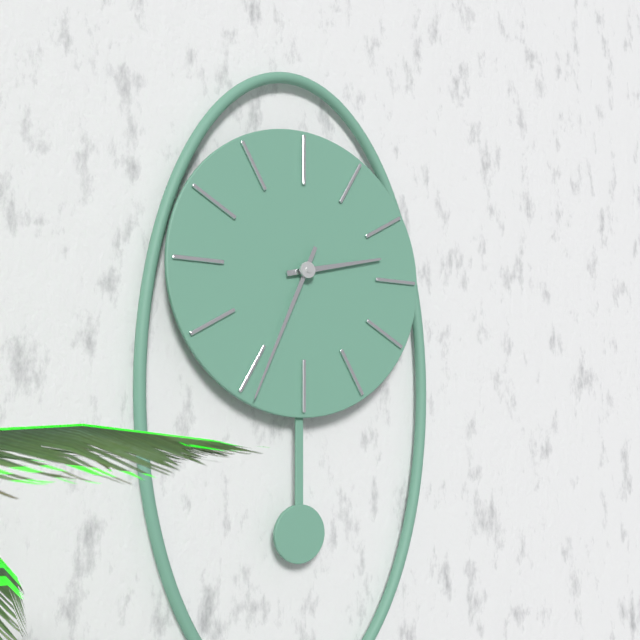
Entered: {"hour": 2, "minute": 34}
